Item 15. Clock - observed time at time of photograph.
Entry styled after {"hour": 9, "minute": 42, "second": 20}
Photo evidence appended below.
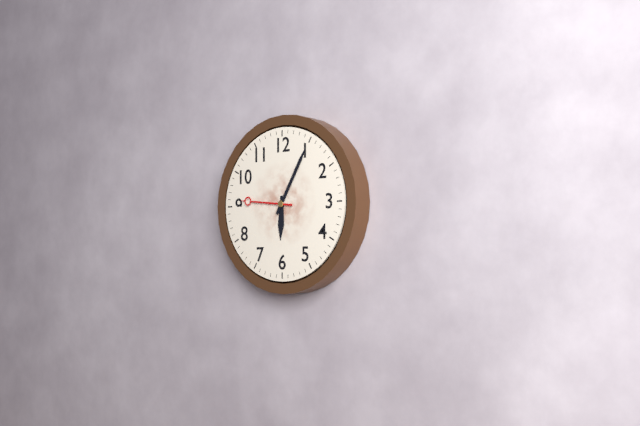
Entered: {"hour": 6, "minute": 5, "second": 46}
